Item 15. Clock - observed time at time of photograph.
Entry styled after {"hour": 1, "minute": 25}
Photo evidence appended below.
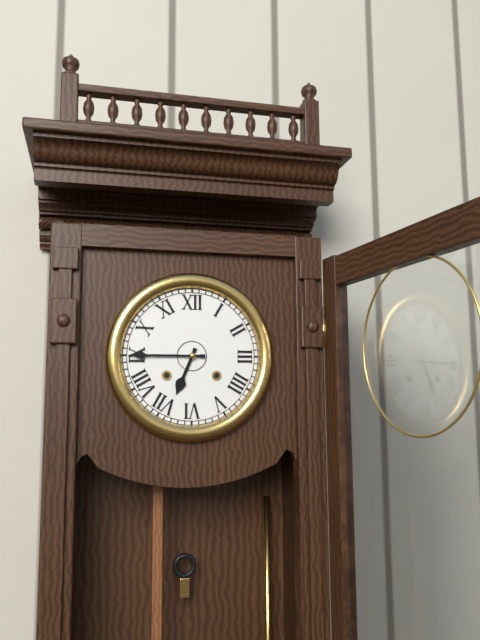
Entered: {"hour": 6, "minute": 45}
